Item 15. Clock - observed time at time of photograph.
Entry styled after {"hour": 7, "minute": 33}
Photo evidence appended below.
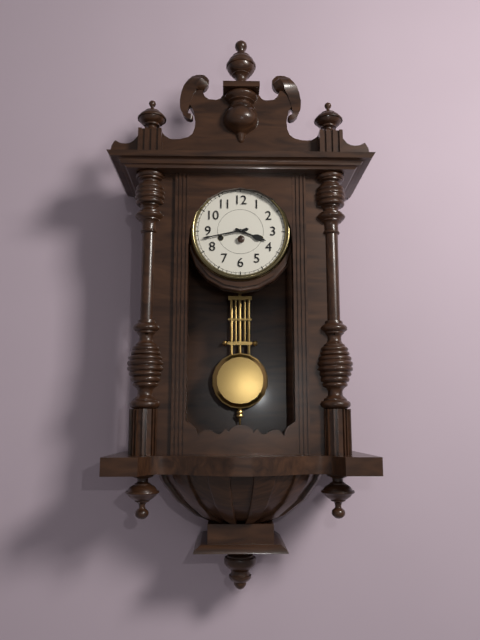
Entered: {"hour": 3, "minute": 43}
